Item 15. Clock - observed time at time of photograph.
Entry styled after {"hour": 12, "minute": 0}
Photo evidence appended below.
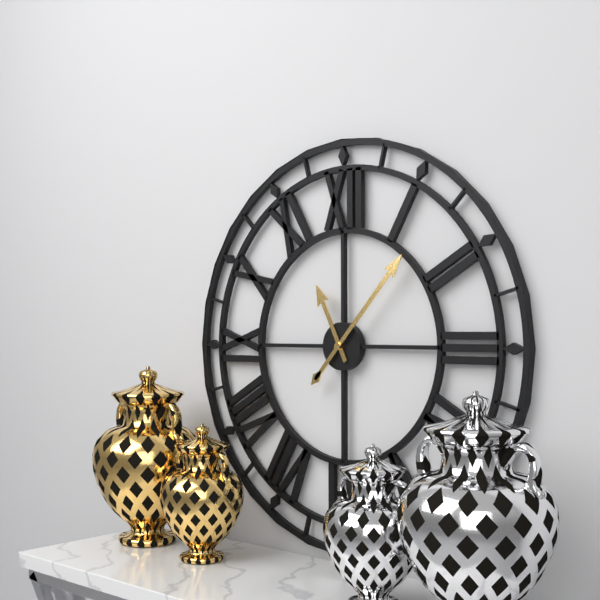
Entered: {"hour": 11, "minute": 7}
